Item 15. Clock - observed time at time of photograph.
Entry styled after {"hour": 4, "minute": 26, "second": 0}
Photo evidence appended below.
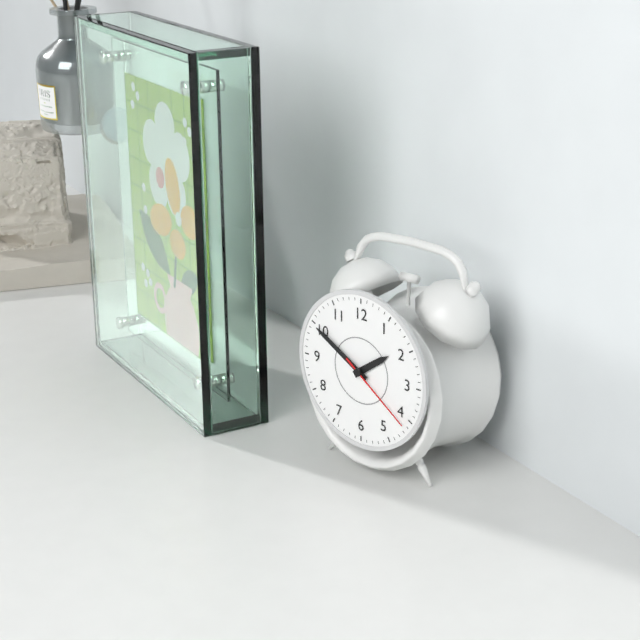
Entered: {"hour": 1, "minute": 50, "second": 21}
